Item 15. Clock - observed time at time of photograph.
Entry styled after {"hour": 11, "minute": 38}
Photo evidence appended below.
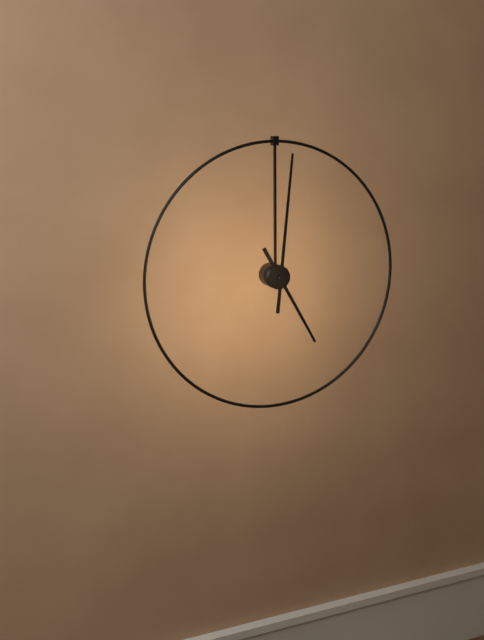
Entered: {"hour": 5, "minute": 1}
